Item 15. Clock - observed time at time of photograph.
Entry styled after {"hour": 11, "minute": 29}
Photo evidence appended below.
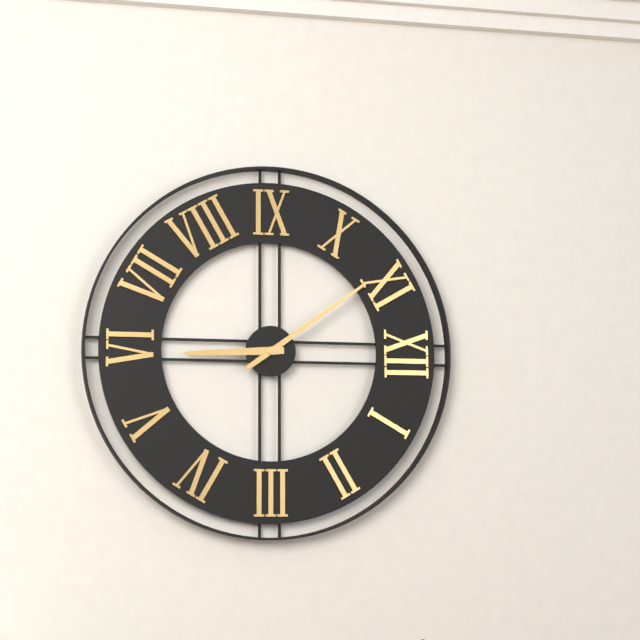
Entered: {"hour": 5, "minute": 54}
